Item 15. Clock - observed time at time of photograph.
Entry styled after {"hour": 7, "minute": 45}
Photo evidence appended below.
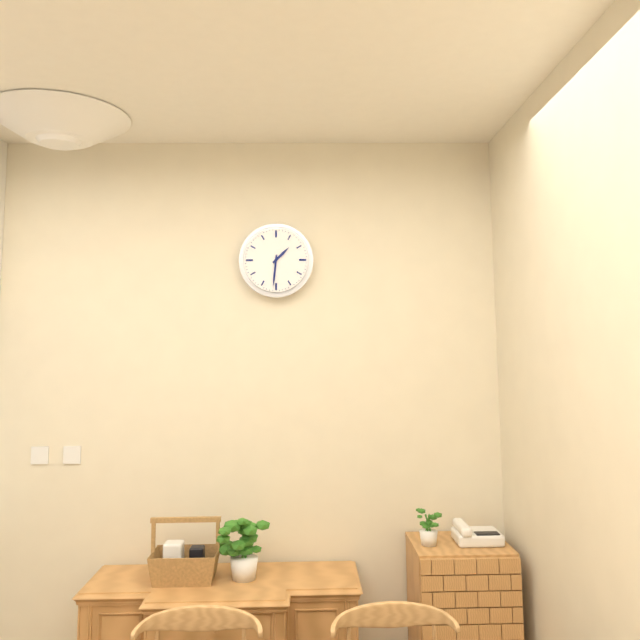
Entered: {"hour": 1, "minute": 31}
